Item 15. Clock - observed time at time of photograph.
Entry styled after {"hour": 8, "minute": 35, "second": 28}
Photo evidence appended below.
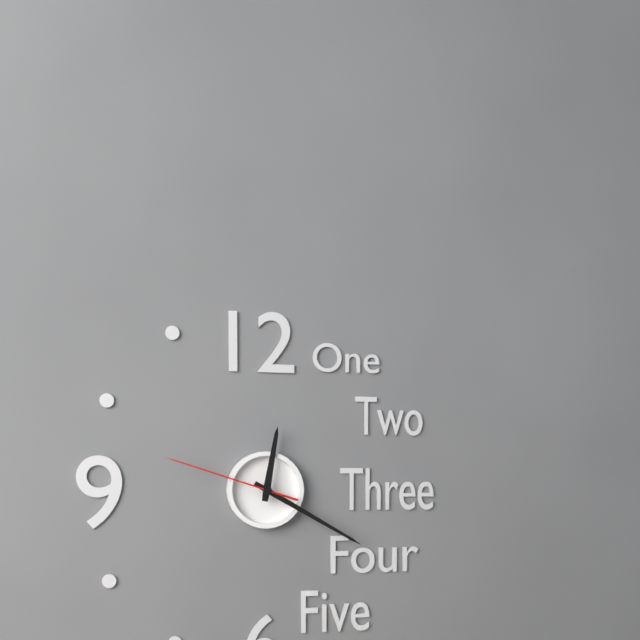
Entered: {"hour": 12, "minute": 20, "second": 48}
